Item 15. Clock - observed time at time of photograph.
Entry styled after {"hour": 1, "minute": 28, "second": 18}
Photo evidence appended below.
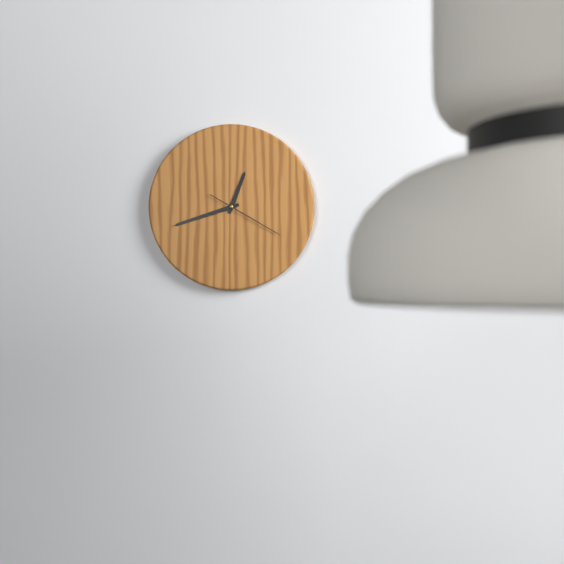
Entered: {"hour": 12, "minute": 42, "second": 20}
